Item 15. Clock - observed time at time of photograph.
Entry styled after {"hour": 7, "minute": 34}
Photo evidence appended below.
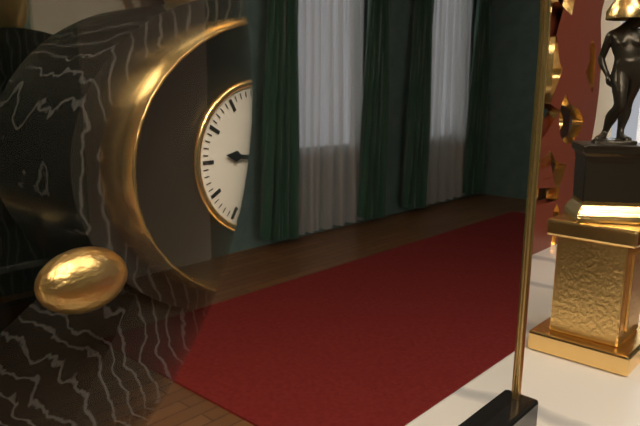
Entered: {"hour": 9, "minute": 16}
